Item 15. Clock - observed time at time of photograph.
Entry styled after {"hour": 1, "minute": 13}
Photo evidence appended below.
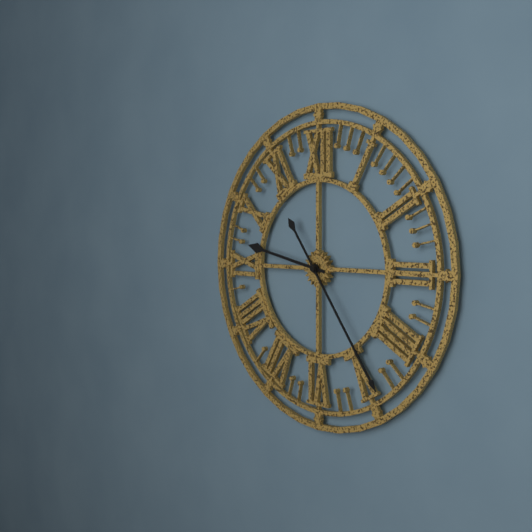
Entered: {"hour": 9, "minute": 24}
